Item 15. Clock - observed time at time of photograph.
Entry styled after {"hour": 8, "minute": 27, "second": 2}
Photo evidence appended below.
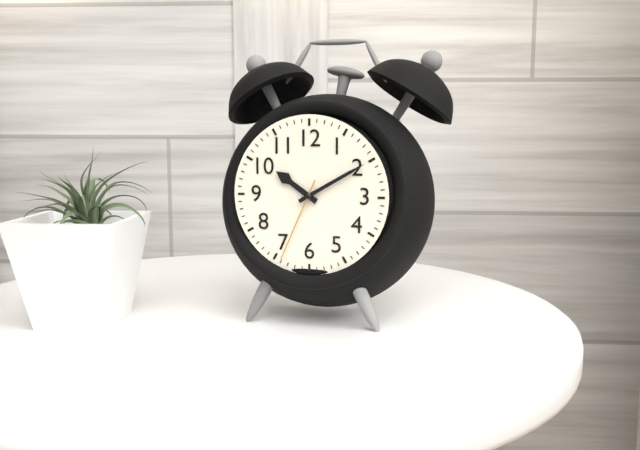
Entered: {"hour": 10, "minute": 10, "second": 34}
